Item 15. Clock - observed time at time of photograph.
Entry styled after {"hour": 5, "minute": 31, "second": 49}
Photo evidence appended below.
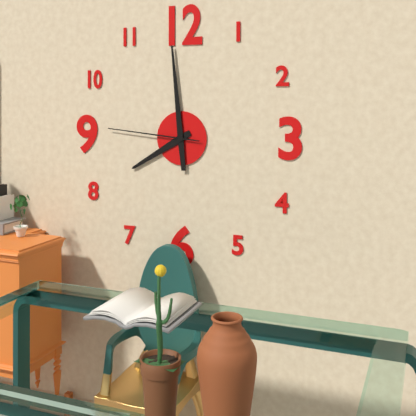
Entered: {"hour": 7, "minute": 59, "second": 46}
